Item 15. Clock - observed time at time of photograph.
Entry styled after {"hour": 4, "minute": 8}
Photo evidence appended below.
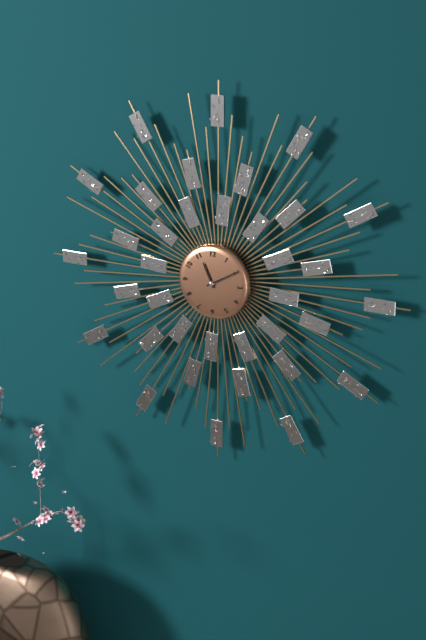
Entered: {"hour": 11, "minute": 10}
